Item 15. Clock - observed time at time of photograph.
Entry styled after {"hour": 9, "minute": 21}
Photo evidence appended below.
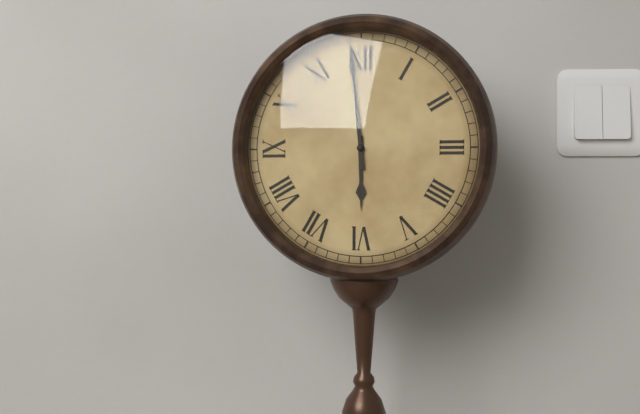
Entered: {"hour": 5, "minute": 59}
